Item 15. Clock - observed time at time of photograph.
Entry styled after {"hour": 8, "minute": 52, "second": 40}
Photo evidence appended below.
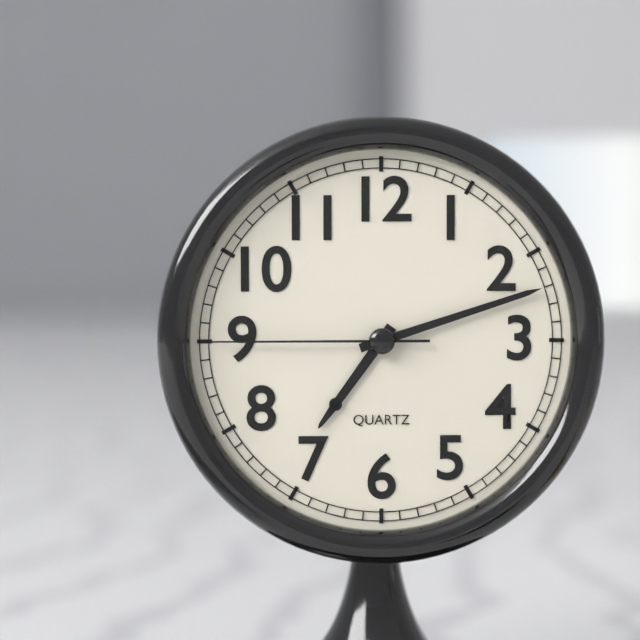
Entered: {"hour": 7, "minute": 12, "second": 45}
